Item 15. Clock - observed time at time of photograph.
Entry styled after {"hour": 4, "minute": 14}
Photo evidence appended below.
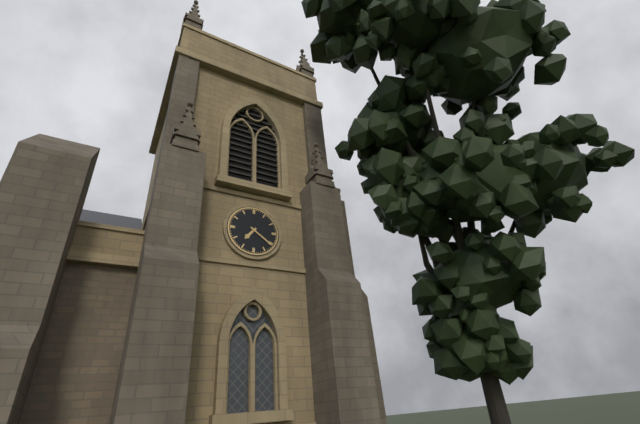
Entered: {"hour": 7, "minute": 21}
